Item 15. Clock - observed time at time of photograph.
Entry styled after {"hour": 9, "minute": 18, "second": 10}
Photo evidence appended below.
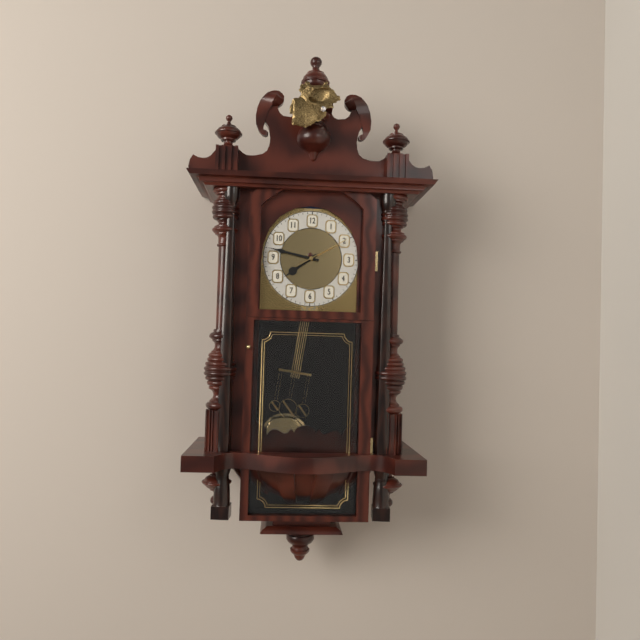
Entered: {"hour": 7, "minute": 47, "second": 10}
